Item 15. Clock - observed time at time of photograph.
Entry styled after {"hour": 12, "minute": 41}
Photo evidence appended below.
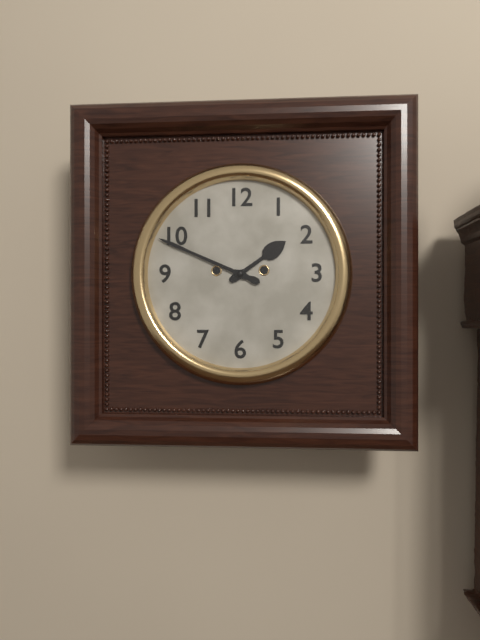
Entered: {"hour": 1, "minute": 49}
